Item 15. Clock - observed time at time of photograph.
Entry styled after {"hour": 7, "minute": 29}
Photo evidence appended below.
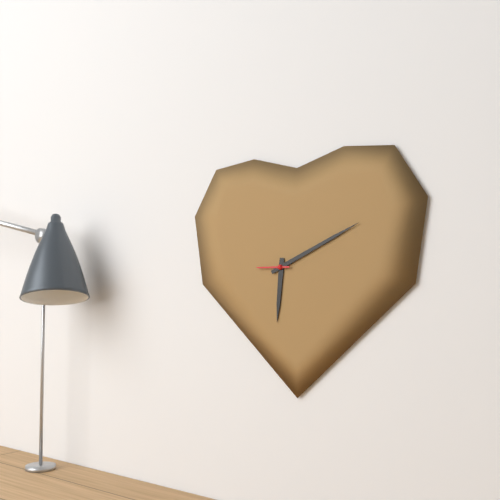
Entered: {"hour": 6, "minute": 11}
